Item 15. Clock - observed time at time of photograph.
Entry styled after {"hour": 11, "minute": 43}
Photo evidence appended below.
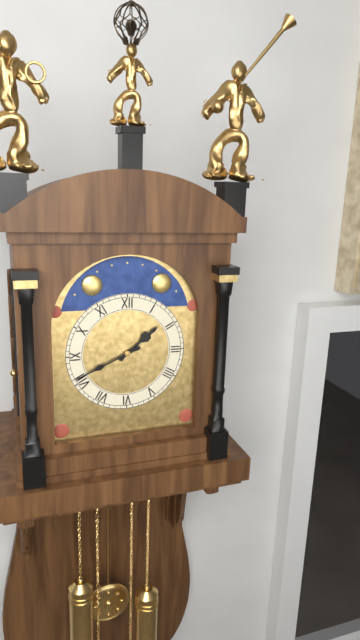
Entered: {"hour": 1, "minute": 41}
